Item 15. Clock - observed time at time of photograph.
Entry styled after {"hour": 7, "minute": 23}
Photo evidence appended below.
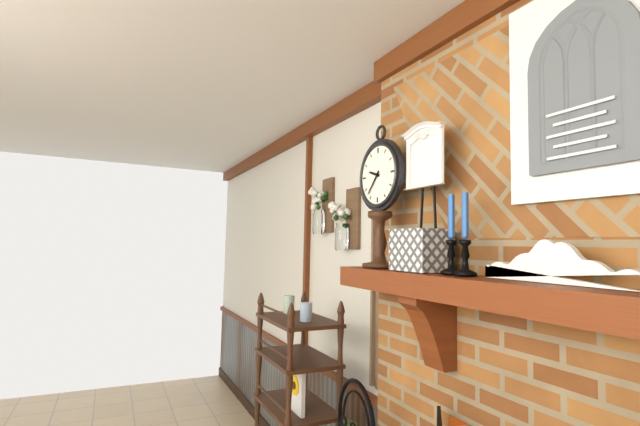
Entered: {"hour": 9, "minute": 37}
